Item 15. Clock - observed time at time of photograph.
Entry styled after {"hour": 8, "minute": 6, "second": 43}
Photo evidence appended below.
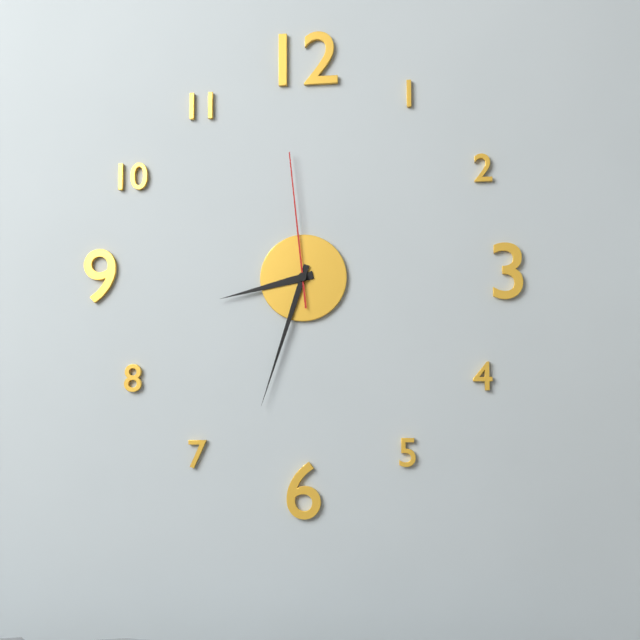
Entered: {"hour": 8, "minute": 33, "second": 59}
